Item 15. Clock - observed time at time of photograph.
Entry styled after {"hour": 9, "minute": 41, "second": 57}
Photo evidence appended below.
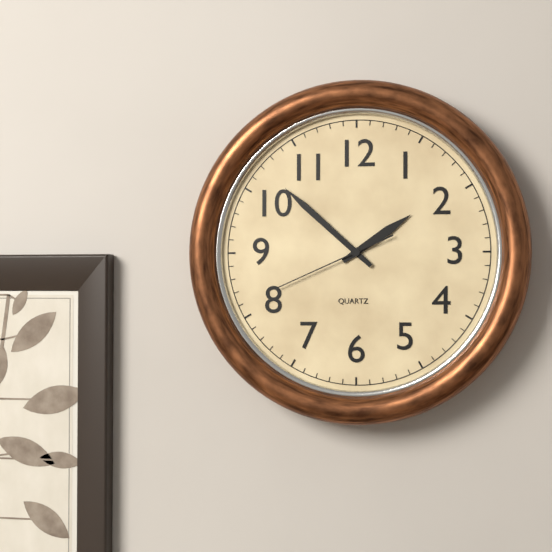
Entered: {"hour": 1, "minute": 52, "second": 41}
